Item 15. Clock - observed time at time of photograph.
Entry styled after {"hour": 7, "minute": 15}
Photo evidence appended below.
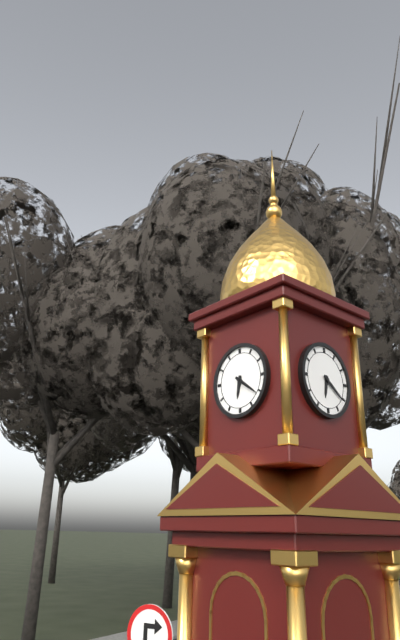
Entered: {"hour": 6, "minute": 21}
